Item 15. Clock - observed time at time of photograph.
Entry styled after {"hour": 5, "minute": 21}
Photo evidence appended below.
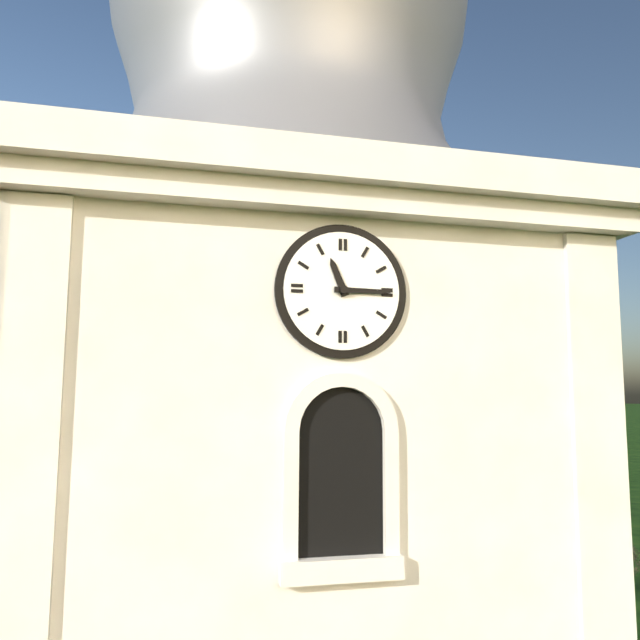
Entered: {"hour": 11, "minute": 15}
